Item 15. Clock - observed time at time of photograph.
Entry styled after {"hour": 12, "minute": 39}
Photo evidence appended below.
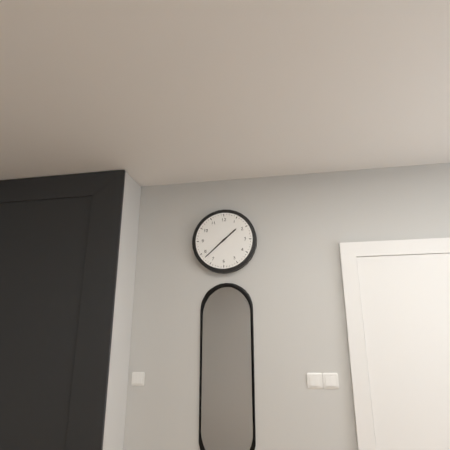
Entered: {"hour": 1, "minute": 38}
